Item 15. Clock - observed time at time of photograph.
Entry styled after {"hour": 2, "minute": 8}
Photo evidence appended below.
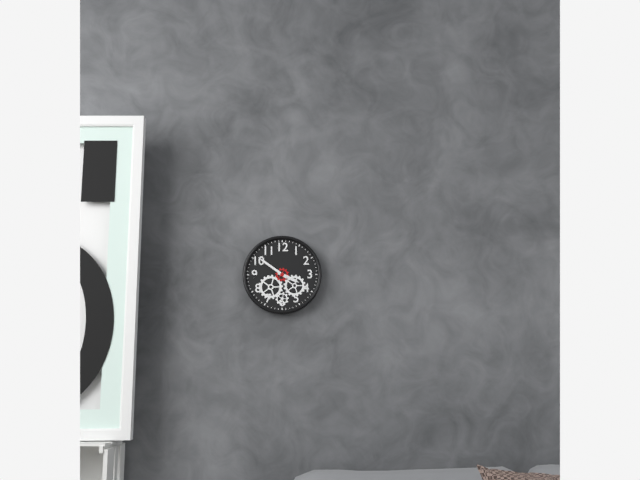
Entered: {"hour": 3, "minute": 51}
